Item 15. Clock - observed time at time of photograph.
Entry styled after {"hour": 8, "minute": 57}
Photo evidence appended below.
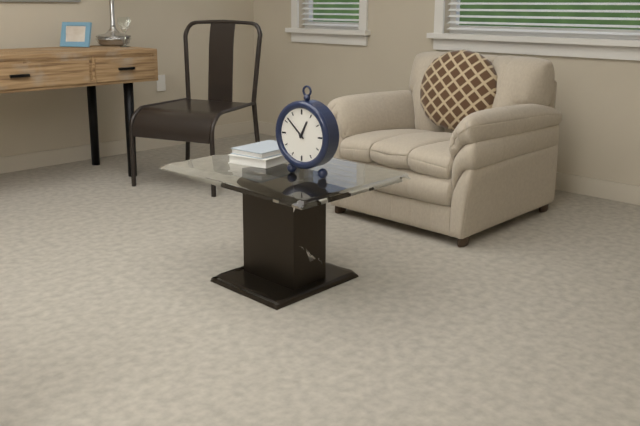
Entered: {"hour": 12, "minute": 52}
